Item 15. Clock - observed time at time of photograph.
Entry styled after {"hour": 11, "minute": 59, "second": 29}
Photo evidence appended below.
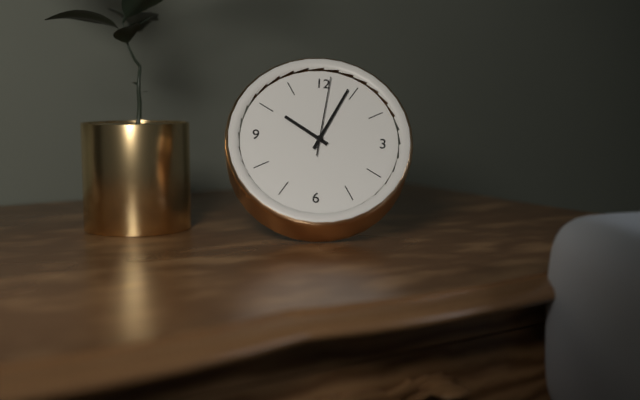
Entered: {"hour": 10, "minute": 4, "second": 1}
